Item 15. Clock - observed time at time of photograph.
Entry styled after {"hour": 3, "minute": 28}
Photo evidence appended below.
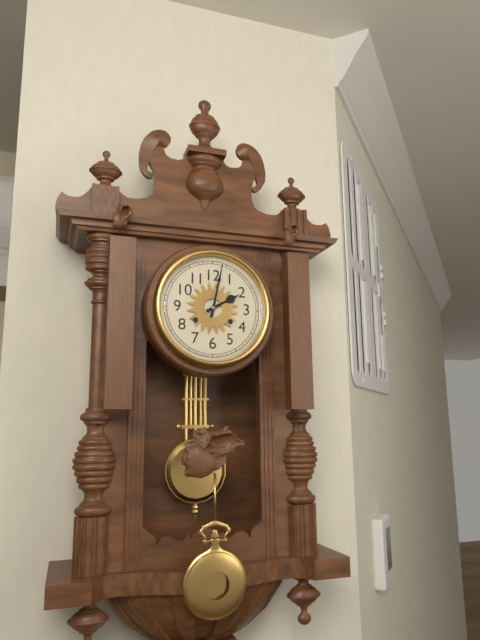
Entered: {"hour": 2, "minute": 2}
